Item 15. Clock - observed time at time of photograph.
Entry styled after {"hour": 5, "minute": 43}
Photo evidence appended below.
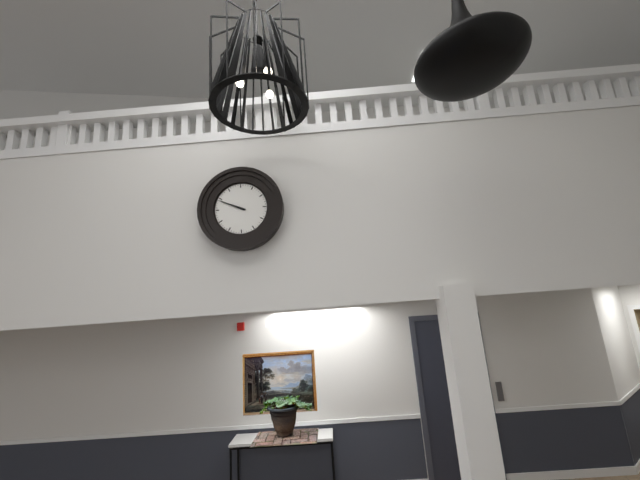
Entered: {"hour": 9, "minute": 49}
